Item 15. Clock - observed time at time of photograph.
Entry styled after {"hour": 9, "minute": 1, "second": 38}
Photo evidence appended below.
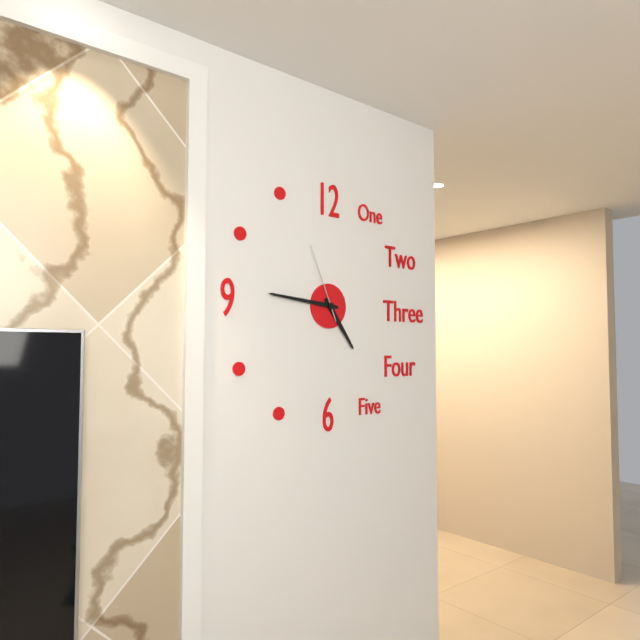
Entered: {"hour": 4, "minute": 46, "second": 56}
